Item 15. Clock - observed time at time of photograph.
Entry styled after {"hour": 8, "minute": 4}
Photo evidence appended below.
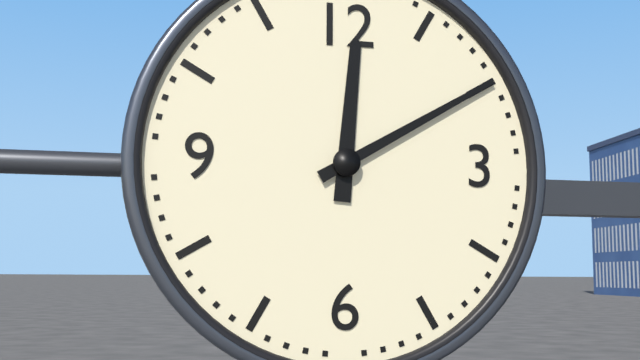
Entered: {"hour": 12, "minute": 10}
